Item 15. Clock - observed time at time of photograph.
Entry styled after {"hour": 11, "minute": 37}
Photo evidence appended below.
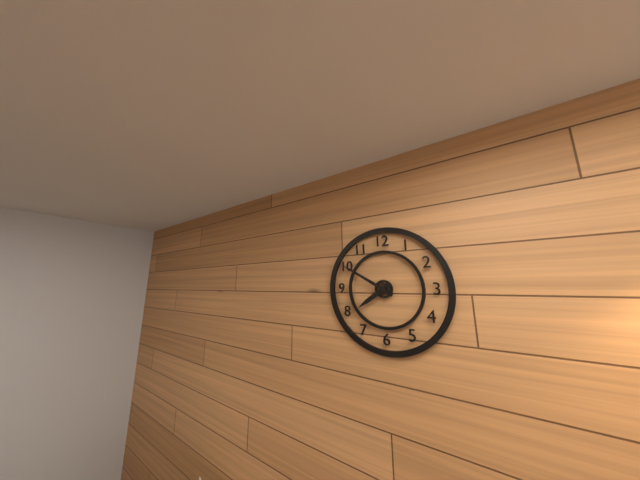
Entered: {"hour": 7, "minute": 50}
